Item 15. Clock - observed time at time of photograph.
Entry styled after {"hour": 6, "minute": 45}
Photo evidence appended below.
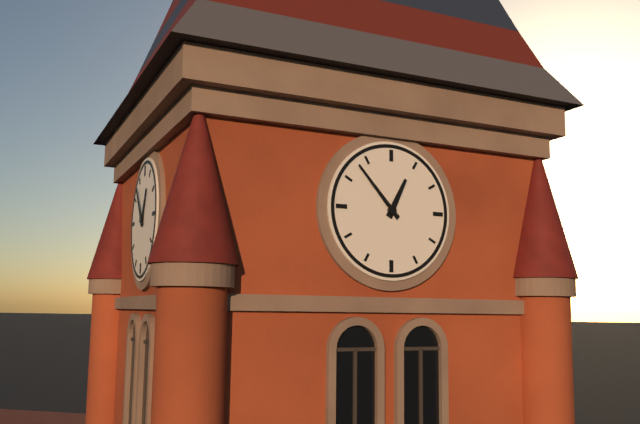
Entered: {"hour": 12, "minute": 53}
